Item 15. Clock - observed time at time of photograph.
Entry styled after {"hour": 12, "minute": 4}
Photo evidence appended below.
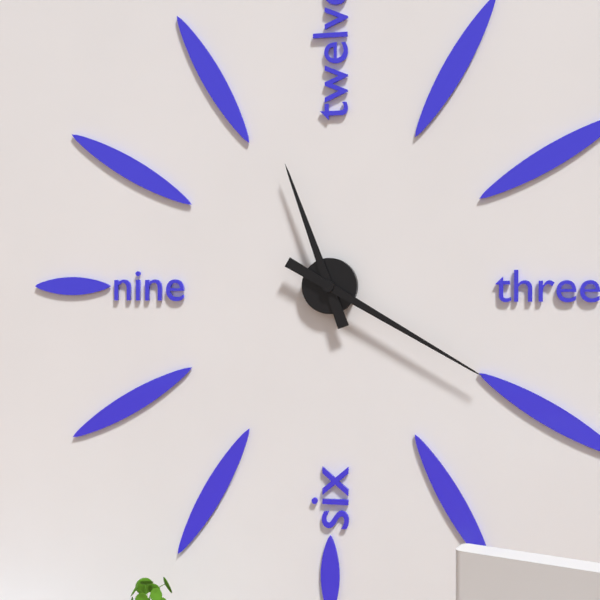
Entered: {"hour": 11, "minute": 20}
